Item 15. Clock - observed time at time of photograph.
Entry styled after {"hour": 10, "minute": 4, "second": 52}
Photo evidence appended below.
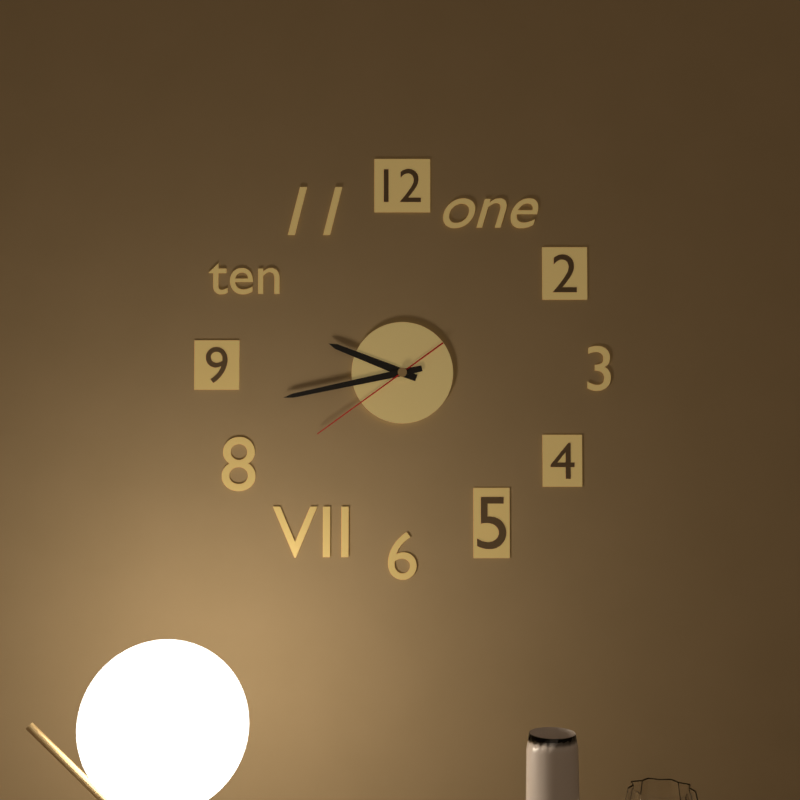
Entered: {"hour": 9, "minute": 43, "second": 39}
